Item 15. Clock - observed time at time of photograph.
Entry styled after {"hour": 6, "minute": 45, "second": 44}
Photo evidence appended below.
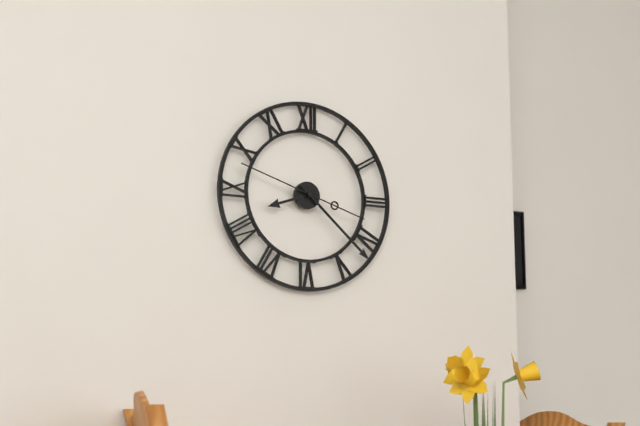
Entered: {"hour": 8, "minute": 22, "second": 48}
